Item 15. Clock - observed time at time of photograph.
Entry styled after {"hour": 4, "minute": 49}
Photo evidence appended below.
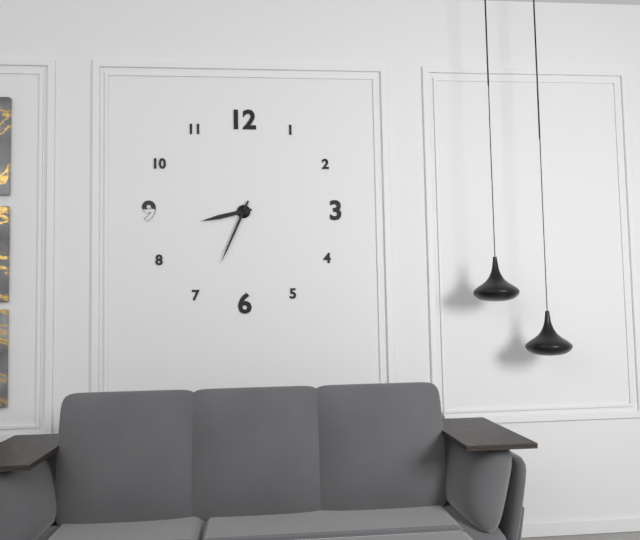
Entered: {"hour": 8, "minute": 34}
